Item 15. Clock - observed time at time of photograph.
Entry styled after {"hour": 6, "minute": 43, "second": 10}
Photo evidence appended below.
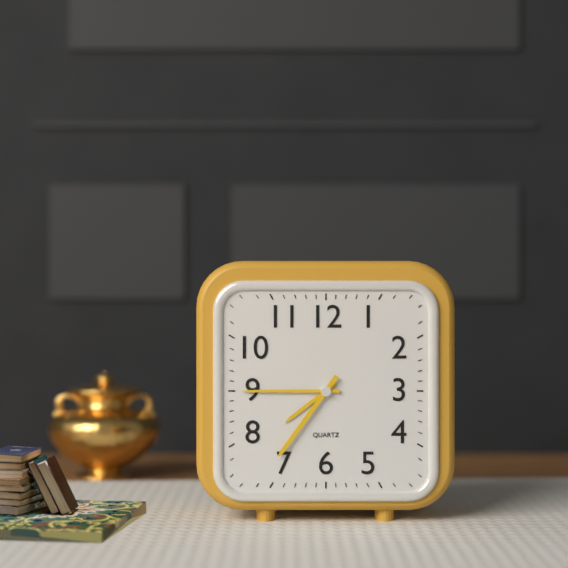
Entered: {"hour": 7, "minute": 45, "second": 36}
